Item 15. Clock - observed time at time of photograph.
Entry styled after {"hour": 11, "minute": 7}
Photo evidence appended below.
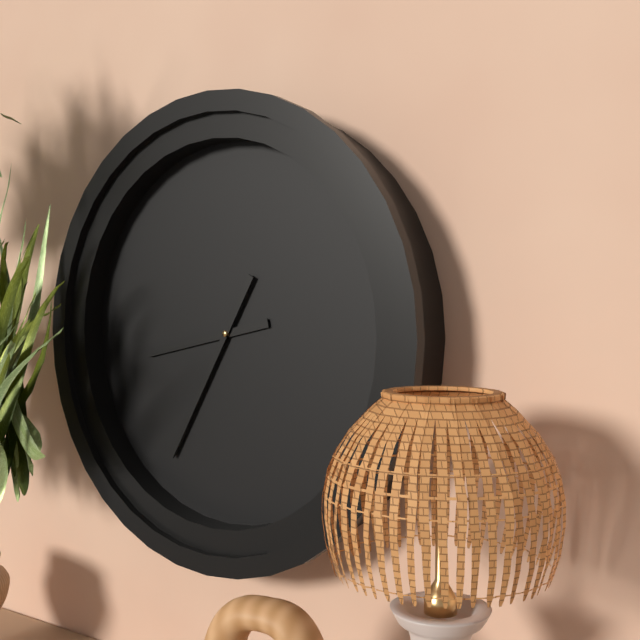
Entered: {"hour": 8, "minute": 35}
